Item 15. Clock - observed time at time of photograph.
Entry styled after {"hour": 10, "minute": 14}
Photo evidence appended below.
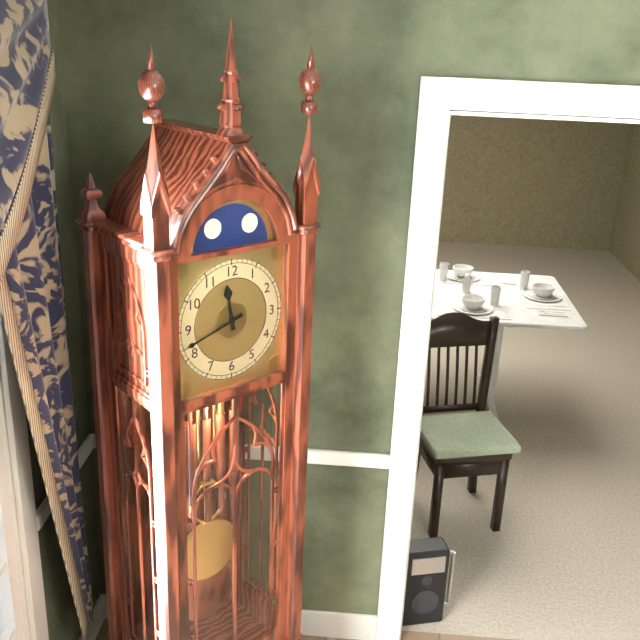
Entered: {"hour": 11, "minute": 42}
